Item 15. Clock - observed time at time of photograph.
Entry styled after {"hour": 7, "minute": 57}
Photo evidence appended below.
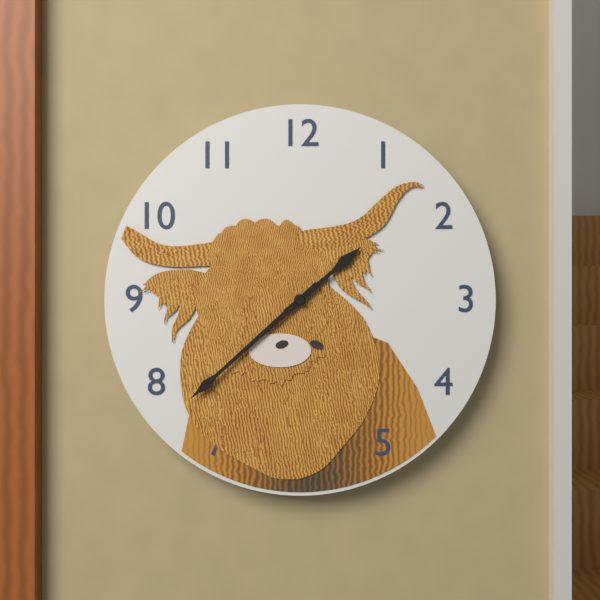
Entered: {"hour": 1, "minute": 38}
